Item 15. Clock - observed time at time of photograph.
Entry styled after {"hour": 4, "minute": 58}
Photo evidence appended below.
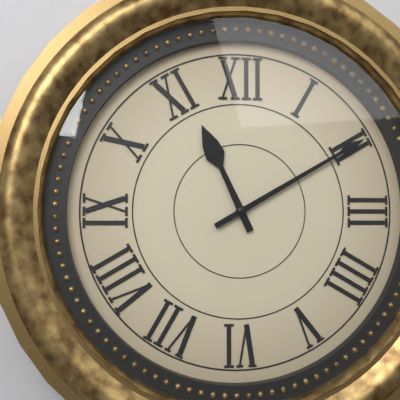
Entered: {"hour": 11, "minute": 10}
